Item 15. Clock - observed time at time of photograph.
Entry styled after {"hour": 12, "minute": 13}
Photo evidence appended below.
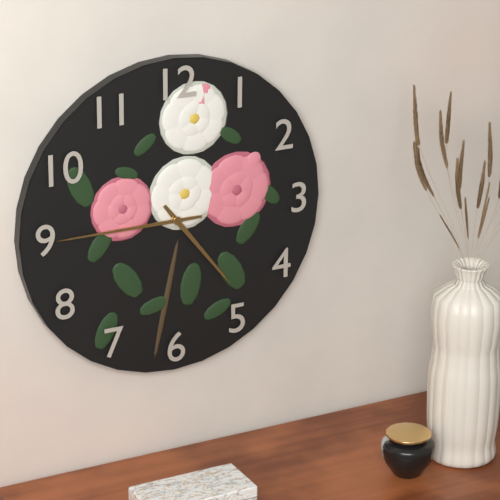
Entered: {"hour": 4, "minute": 45}
